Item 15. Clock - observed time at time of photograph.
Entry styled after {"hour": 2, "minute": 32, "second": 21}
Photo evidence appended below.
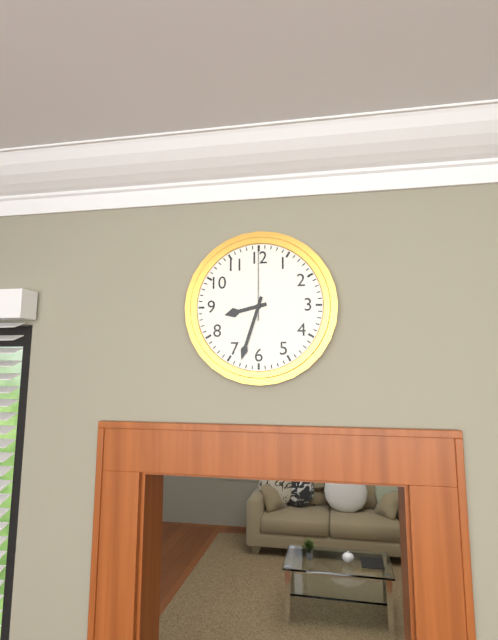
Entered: {"hour": 8, "minute": 33, "second": 0}
